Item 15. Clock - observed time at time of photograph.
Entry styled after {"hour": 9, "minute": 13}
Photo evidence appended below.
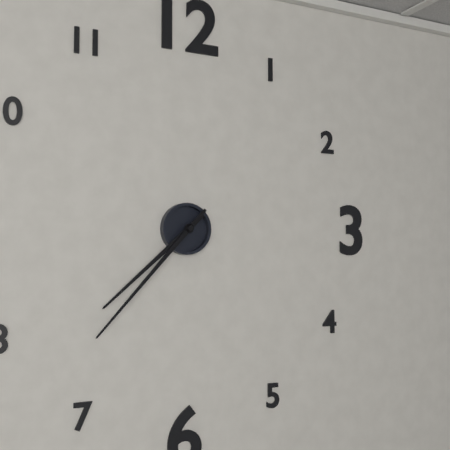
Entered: {"hour": 7, "minute": 37}
